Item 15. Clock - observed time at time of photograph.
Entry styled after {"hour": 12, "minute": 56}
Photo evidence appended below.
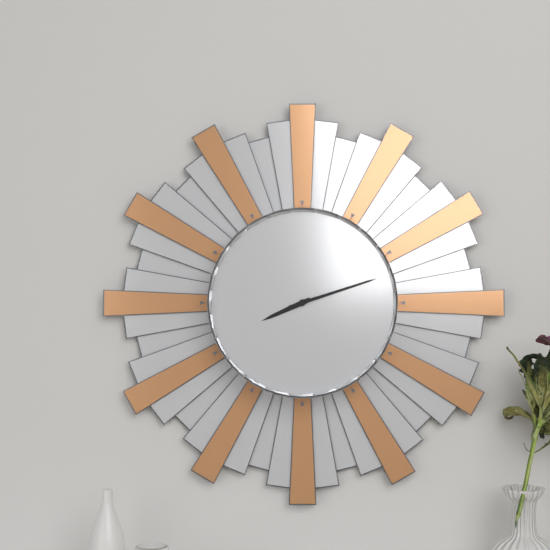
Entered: {"hour": 8, "minute": 12}
